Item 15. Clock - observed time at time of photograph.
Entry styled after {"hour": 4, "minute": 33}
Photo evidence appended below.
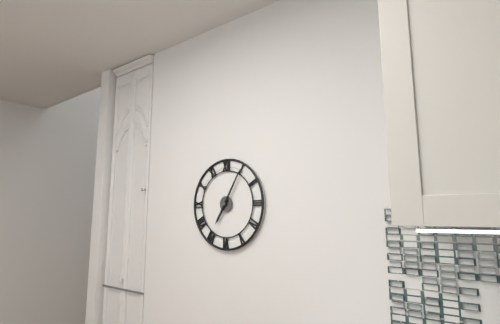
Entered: {"hour": 7, "minute": 5}
